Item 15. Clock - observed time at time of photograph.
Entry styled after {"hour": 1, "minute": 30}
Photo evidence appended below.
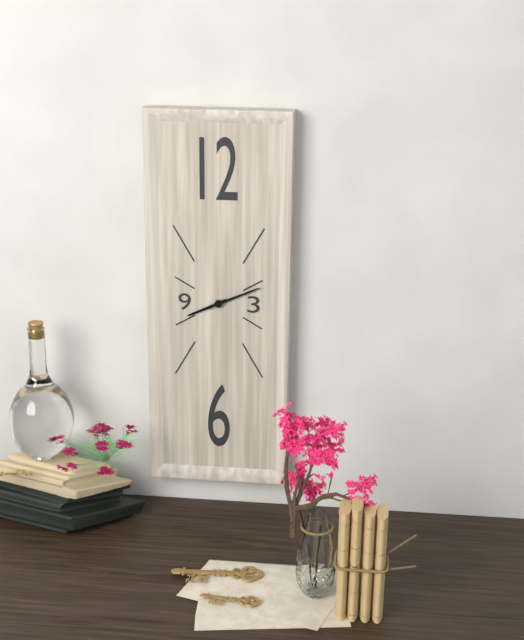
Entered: {"hour": 8, "minute": 11}
